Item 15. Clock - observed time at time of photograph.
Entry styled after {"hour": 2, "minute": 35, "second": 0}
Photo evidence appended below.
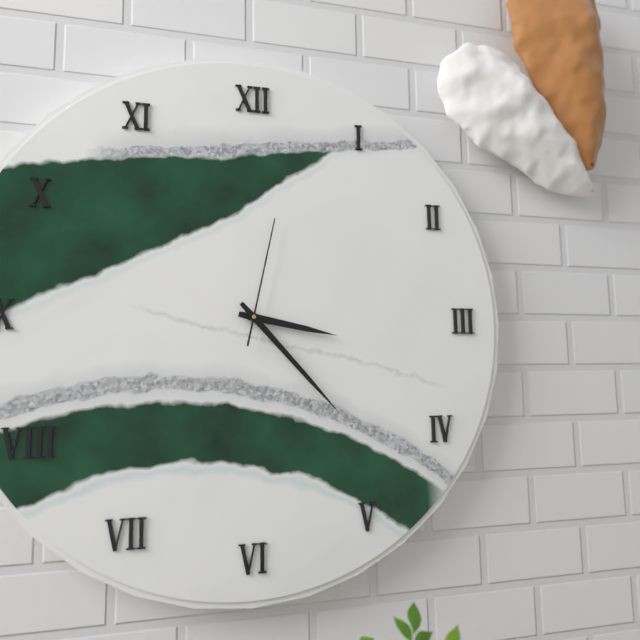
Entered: {"hour": 3, "minute": 23, "second": 2}
